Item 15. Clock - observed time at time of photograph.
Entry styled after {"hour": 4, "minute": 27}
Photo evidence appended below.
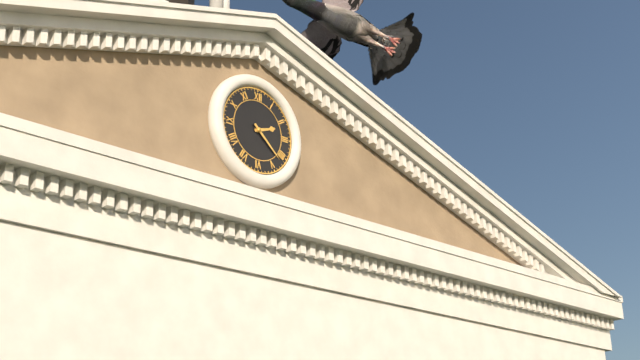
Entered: {"hour": 2, "minute": 22}
